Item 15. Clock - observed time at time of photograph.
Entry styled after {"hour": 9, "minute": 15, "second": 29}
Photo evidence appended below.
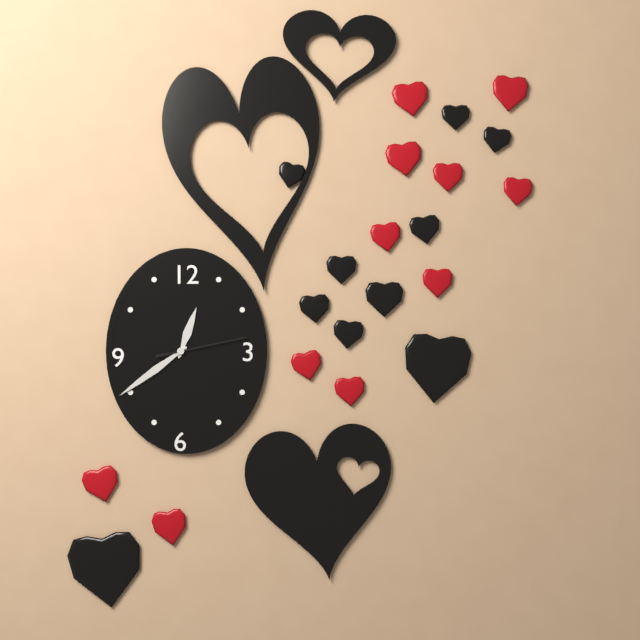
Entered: {"hour": 12, "minute": 39, "second": 13}
